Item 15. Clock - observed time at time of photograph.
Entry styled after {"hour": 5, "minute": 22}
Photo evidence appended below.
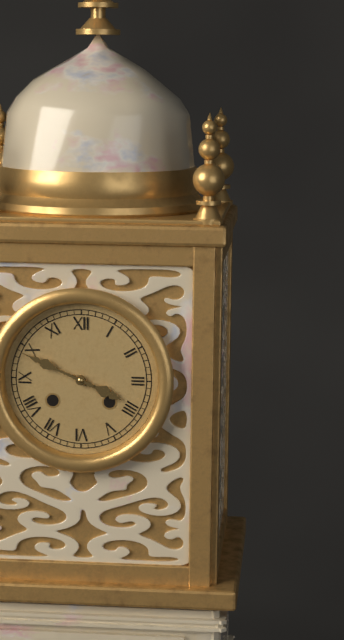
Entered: {"hour": 3, "minute": 49}
